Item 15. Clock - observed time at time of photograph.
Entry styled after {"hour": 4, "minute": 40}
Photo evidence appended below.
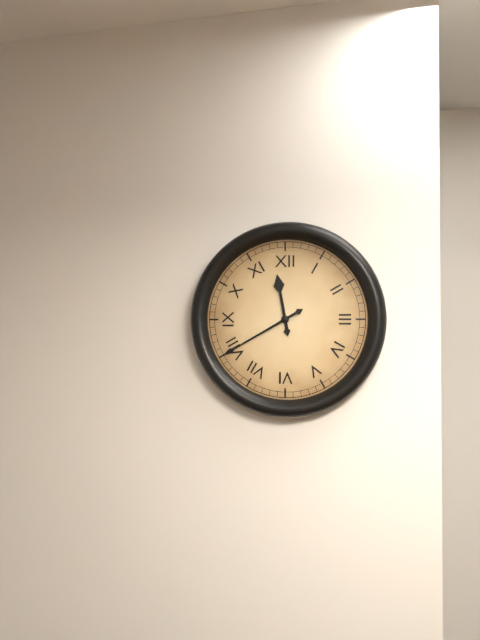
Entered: {"hour": 11, "minute": 40}
